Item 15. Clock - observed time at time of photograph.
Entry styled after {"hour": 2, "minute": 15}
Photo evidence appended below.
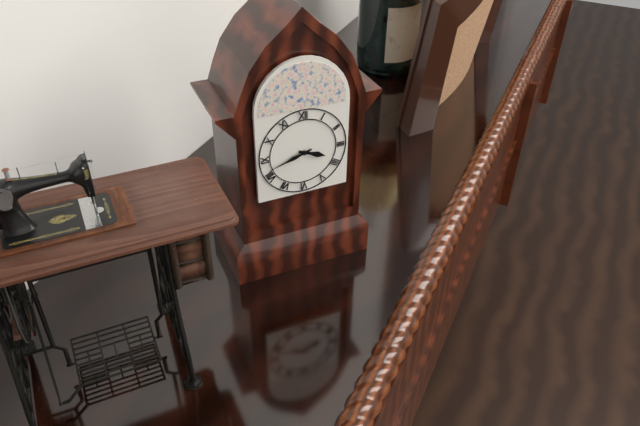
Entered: {"hour": 3, "minute": 42}
